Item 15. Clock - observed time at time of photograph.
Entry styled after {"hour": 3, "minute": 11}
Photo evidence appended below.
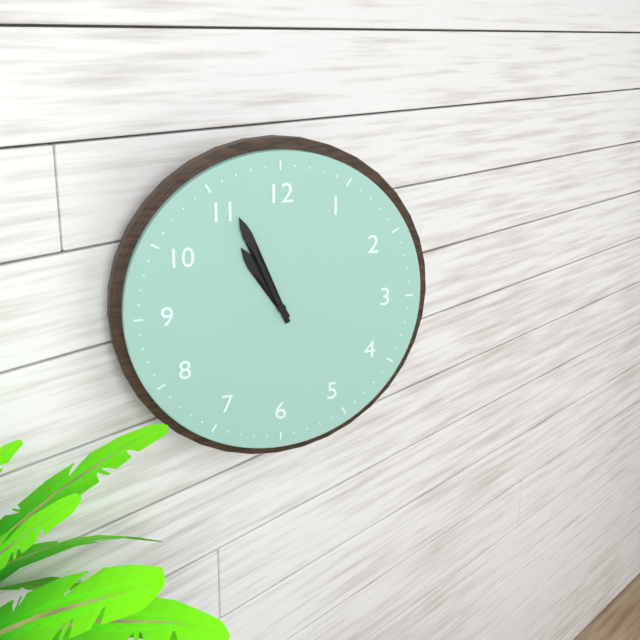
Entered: {"hour": 10, "minute": 56}
